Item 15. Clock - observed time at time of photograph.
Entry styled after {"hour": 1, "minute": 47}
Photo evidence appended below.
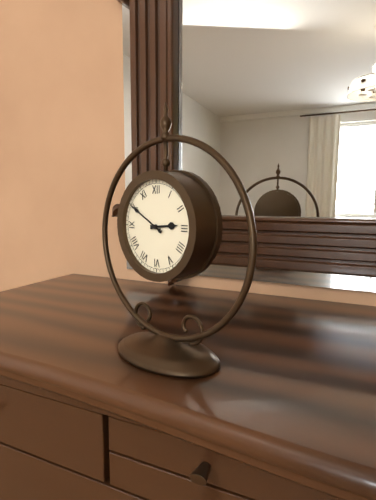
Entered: {"hour": 2, "minute": 50}
